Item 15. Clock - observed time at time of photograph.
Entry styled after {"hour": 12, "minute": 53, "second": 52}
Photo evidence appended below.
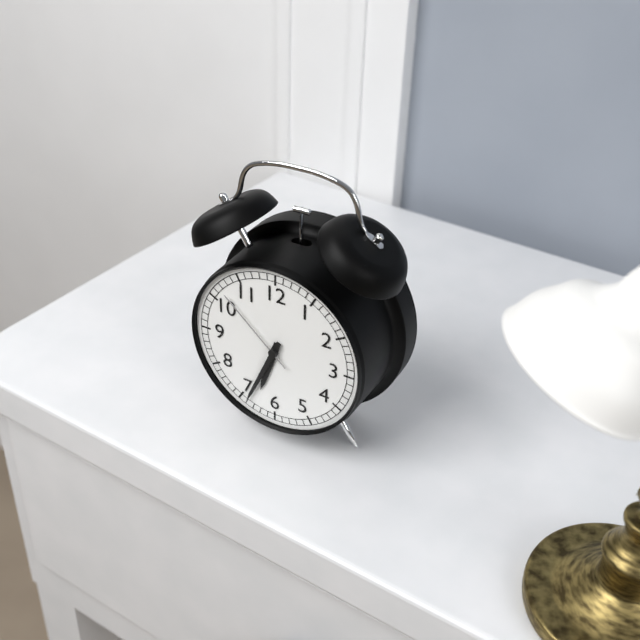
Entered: {"hour": 6, "minute": 34, "second": 52}
